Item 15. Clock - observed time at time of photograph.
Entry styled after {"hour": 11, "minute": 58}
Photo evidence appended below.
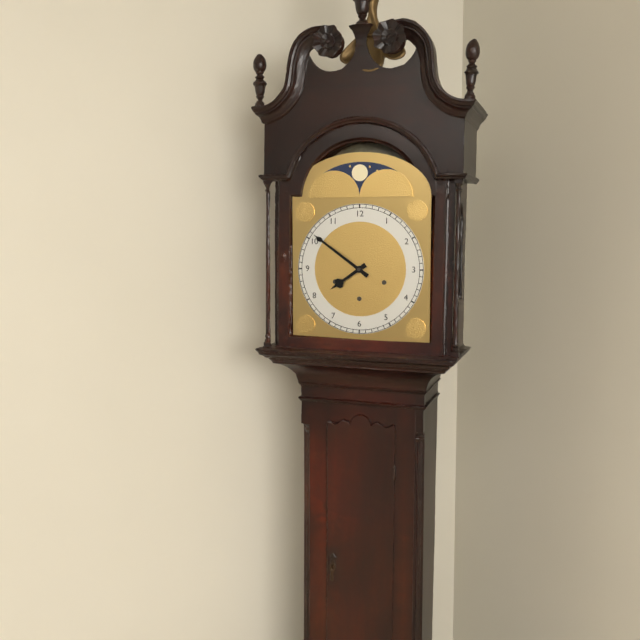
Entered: {"hour": 7, "minute": 51}
